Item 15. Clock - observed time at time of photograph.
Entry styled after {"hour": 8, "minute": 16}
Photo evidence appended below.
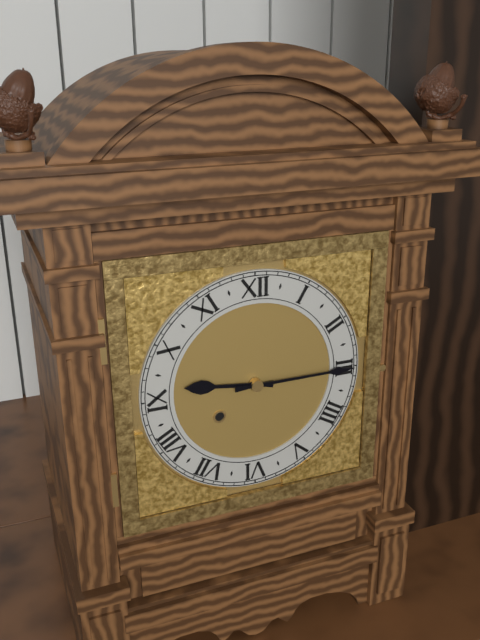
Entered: {"hour": 9, "minute": 15}
